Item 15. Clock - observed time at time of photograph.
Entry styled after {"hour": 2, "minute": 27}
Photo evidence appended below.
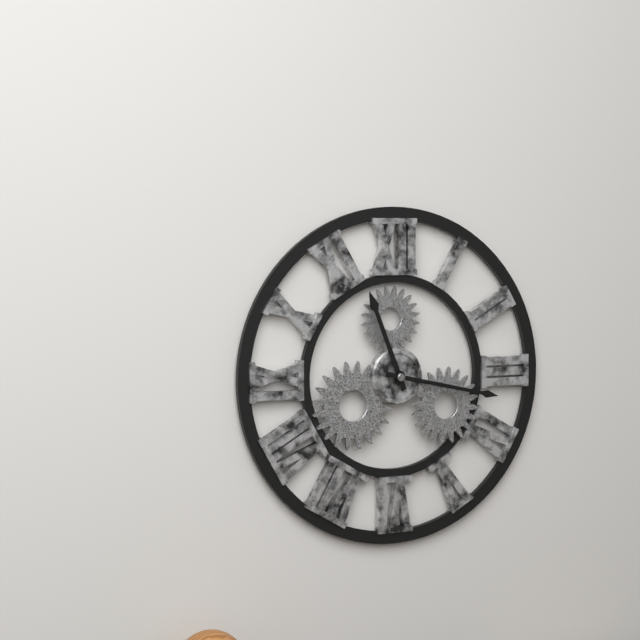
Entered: {"hour": 11, "minute": 17}
